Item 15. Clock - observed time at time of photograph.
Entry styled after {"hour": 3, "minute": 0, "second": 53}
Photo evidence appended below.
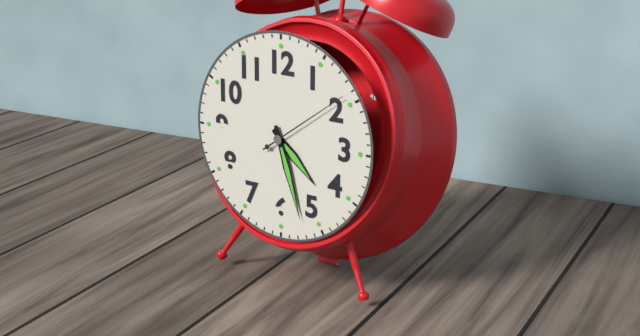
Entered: {"hour": 4, "minute": 27, "second": 9}
